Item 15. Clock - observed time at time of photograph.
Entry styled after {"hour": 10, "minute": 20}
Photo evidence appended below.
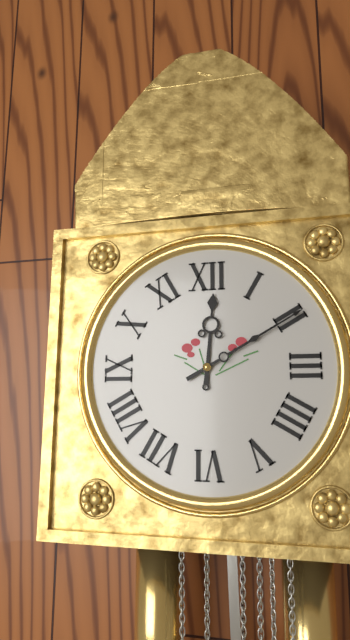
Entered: {"hour": 12, "minute": 10}
